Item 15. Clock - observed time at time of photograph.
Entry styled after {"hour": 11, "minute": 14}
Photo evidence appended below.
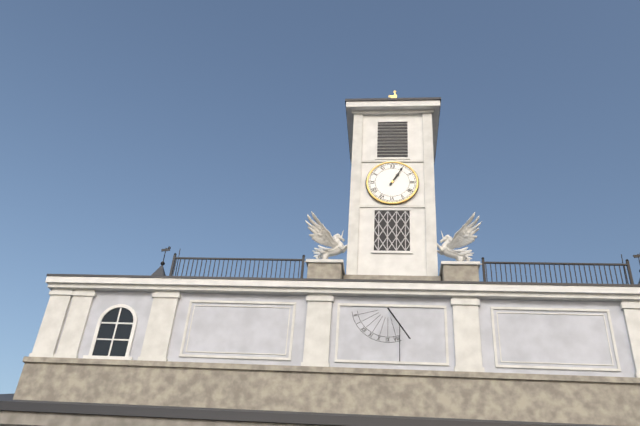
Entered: {"hour": 1, "minute": 5}
